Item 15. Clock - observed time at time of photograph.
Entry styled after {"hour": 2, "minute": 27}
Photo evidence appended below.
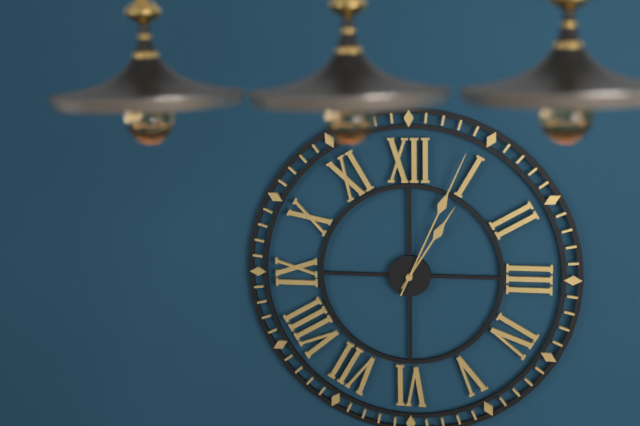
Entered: {"hour": 1, "minute": 4}
